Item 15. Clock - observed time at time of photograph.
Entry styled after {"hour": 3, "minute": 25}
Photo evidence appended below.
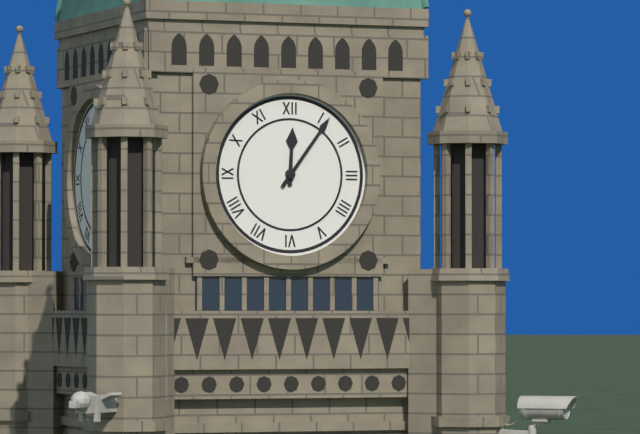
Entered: {"hour": 12, "minute": 6}
